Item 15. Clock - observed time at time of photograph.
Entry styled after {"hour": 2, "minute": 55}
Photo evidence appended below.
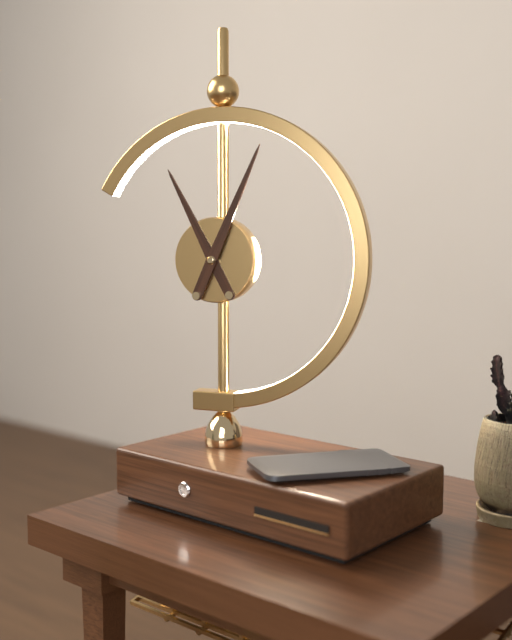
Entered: {"hour": 11, "minute": 4}
